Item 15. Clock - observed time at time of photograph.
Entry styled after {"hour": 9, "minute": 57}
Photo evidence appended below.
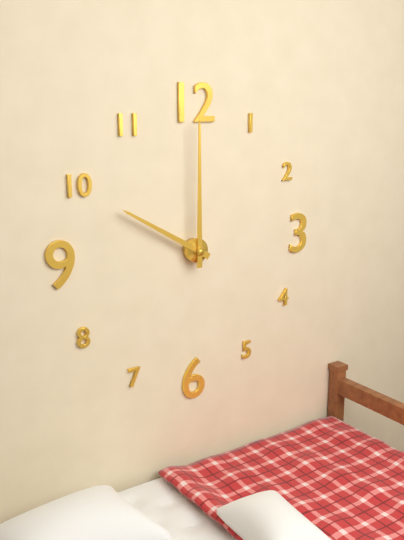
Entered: {"hour": 10, "minute": 0}
